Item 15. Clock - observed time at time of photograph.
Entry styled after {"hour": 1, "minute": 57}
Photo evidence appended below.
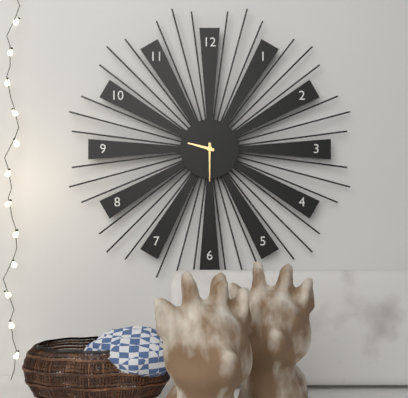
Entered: {"hour": 9, "minute": 30}
